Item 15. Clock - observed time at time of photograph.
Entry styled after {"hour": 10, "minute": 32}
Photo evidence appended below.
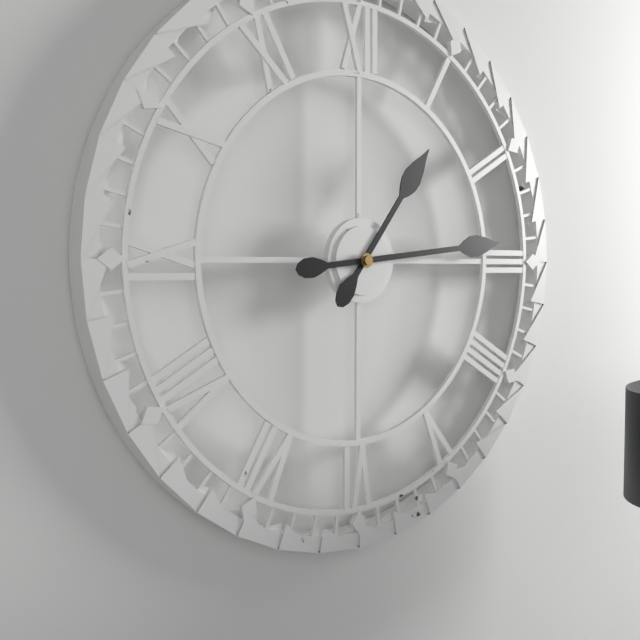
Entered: {"hour": 1, "minute": 14}
